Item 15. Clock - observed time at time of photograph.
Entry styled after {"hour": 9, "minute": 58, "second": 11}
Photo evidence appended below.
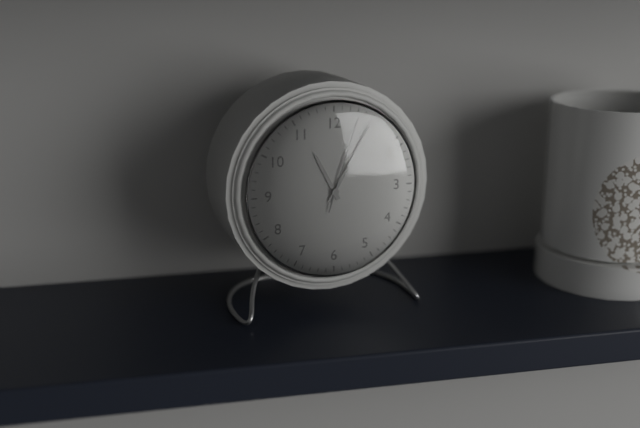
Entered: {"hour": 11, "minute": 5, "second": 3}
